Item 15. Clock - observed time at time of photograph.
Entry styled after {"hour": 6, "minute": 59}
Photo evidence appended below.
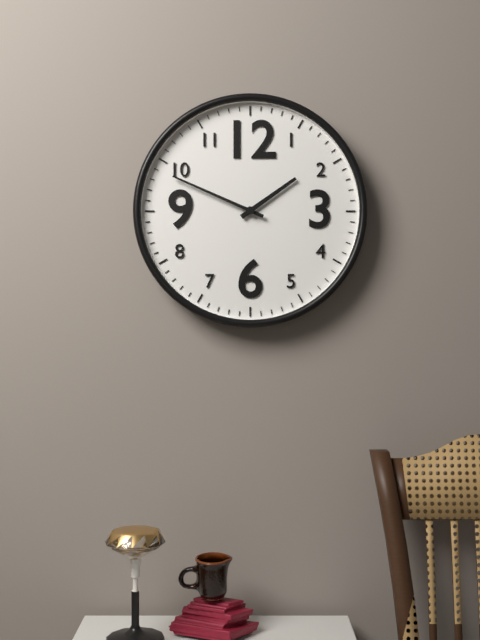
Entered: {"hour": 1, "minute": 49}
